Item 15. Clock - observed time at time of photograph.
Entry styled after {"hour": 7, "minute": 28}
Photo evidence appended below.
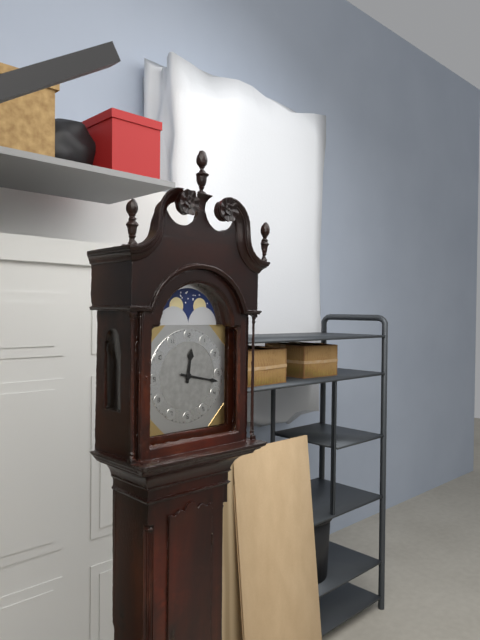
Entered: {"hour": 12, "minute": 17}
